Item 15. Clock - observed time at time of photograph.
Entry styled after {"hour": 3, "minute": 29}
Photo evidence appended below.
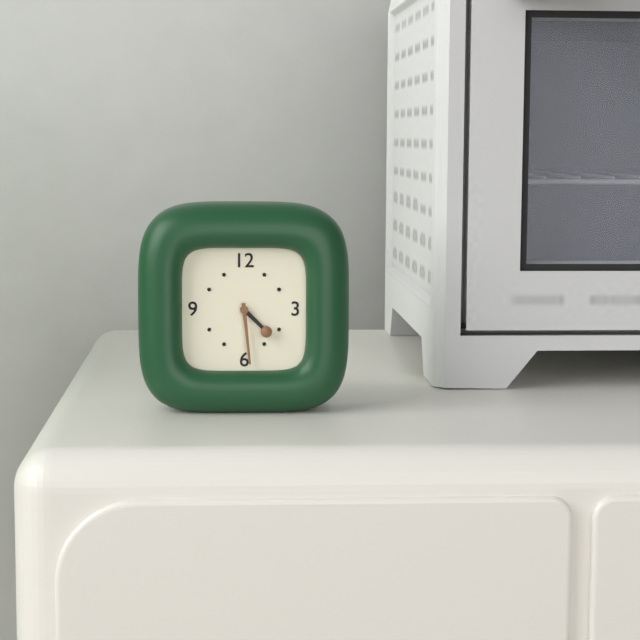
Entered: {"hour": 4, "minute": 29}
